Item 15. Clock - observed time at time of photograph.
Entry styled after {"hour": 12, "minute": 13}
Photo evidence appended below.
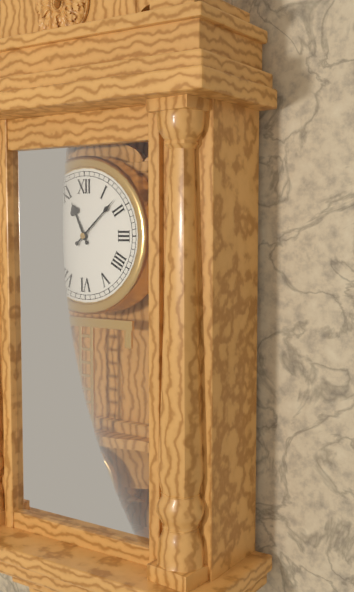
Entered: {"hour": 11, "minute": 8}
